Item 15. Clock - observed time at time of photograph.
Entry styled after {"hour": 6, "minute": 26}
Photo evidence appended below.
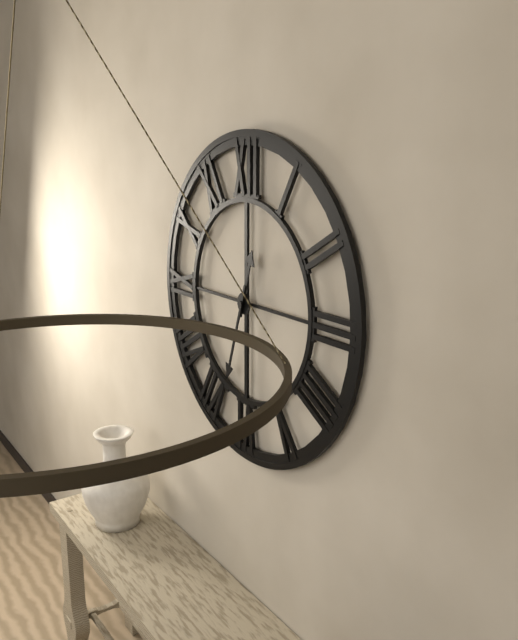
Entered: {"hour": 12, "minute": 33}
